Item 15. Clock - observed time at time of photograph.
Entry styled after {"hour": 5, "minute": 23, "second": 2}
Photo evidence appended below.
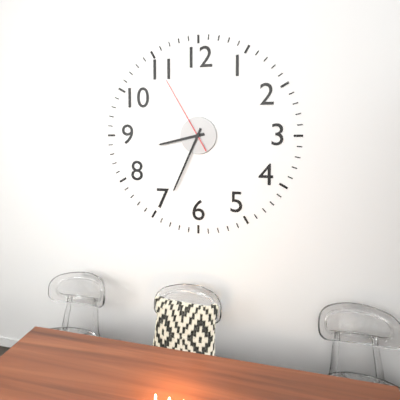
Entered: {"hour": 8, "minute": 34, "second": 55}
